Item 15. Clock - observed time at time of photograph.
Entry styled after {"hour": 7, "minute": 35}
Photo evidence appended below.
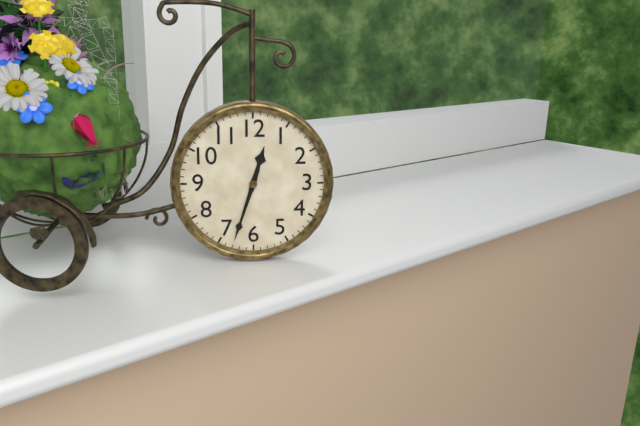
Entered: {"hour": 12, "minute": 33}
